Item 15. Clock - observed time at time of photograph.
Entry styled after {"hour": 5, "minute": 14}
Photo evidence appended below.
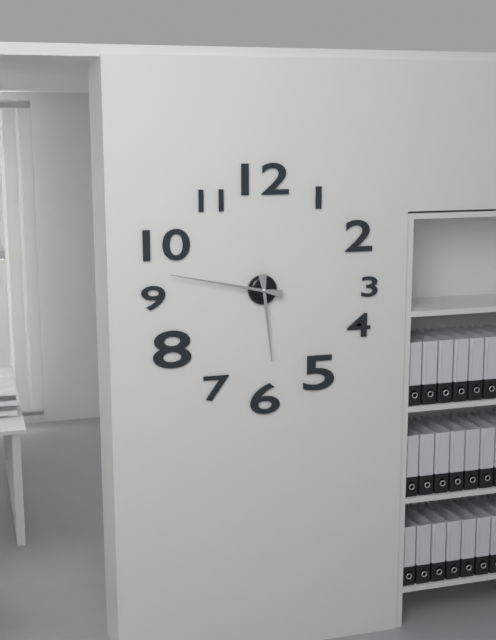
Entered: {"hour": 5, "minute": 47}
